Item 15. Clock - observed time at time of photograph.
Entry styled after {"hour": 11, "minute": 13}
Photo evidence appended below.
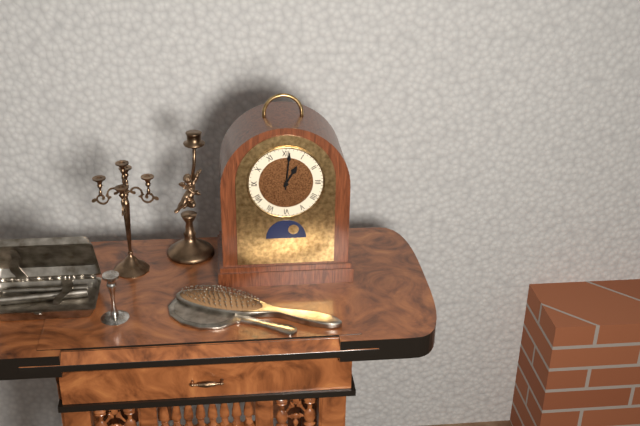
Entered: {"hour": 1, "minute": 1}
